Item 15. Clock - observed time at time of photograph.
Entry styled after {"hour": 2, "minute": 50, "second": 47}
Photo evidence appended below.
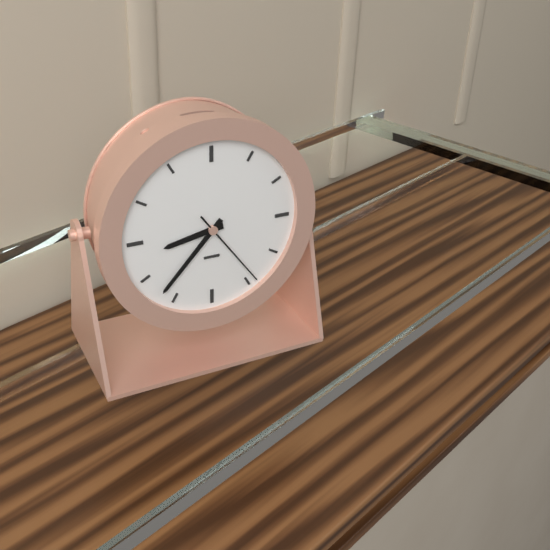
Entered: {"hour": 8, "minute": 37, "second": 24}
